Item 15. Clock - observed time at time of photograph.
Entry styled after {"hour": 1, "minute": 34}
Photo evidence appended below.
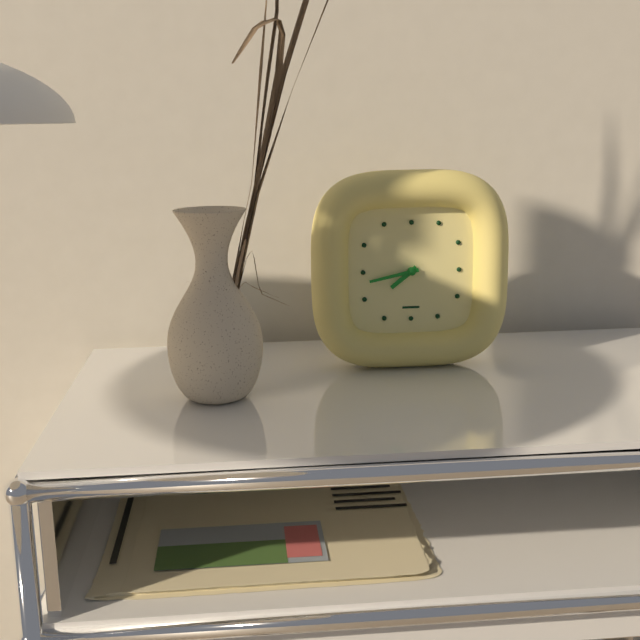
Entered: {"hour": 7, "minute": 43}
